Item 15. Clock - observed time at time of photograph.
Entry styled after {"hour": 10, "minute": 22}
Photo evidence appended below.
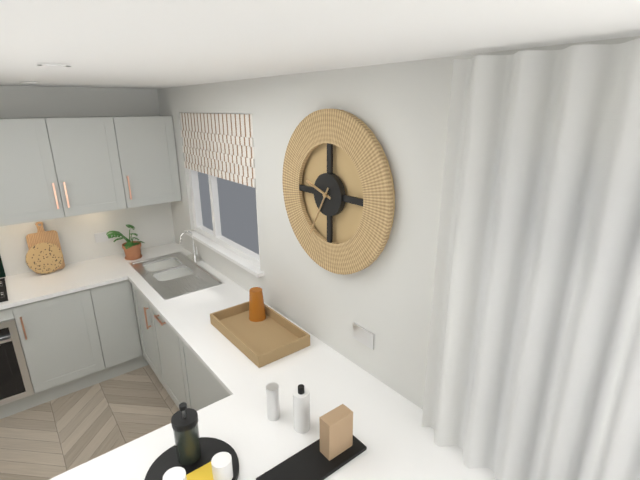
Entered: {"hour": 9, "minute": 35}
